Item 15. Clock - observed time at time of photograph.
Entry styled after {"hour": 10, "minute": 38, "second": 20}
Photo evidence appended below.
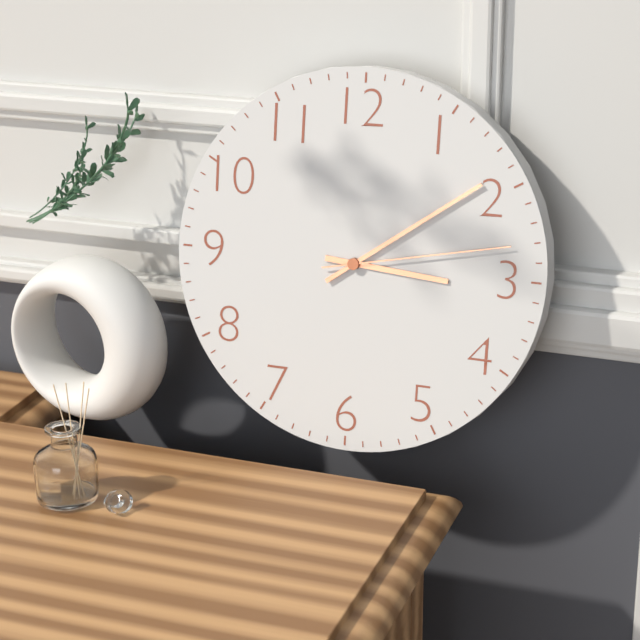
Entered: {"hour": 3, "minute": 9, "second": 13}
